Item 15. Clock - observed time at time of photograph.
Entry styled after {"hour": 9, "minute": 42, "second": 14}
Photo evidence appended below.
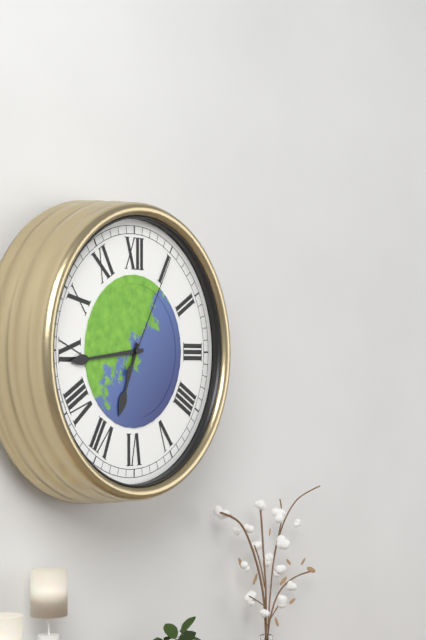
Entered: {"hour": 6, "minute": 44, "second": 5}
